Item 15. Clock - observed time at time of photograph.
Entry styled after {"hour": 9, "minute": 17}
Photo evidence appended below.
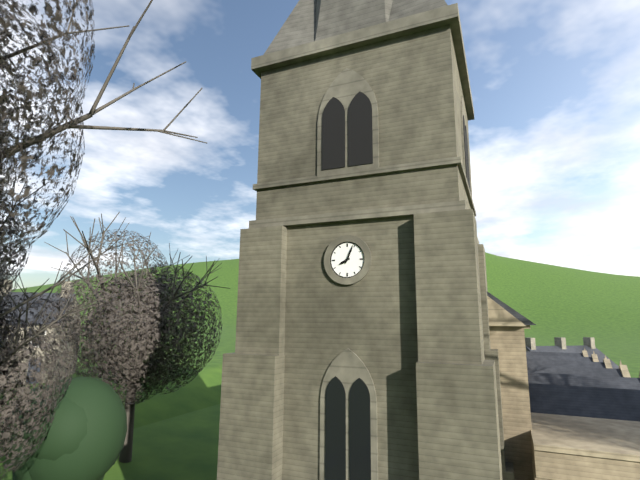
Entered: {"hour": 8, "minute": 4}
